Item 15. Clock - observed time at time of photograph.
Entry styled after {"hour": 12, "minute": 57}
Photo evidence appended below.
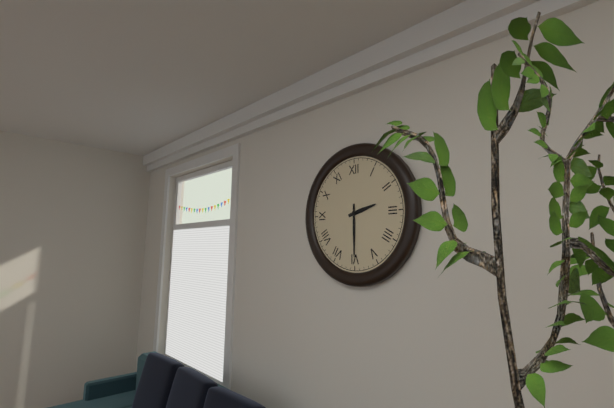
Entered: {"hour": 2, "minute": 30}
